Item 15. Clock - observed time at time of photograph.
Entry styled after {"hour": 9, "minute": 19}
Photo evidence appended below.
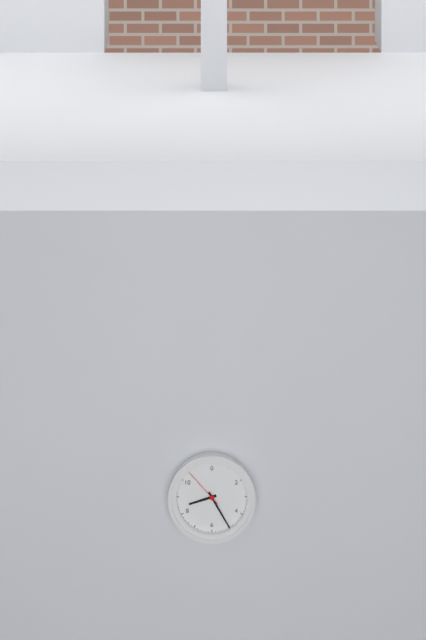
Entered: {"hour": 8, "minute": 25}
